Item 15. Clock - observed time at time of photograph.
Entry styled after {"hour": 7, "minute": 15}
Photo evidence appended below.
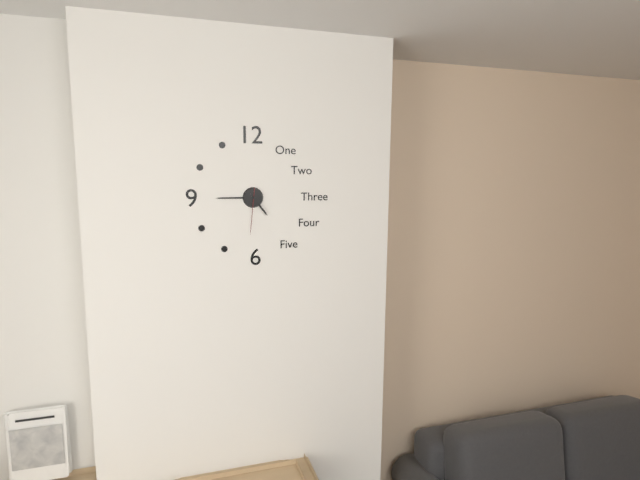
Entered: {"hour": 4, "minute": 45}
